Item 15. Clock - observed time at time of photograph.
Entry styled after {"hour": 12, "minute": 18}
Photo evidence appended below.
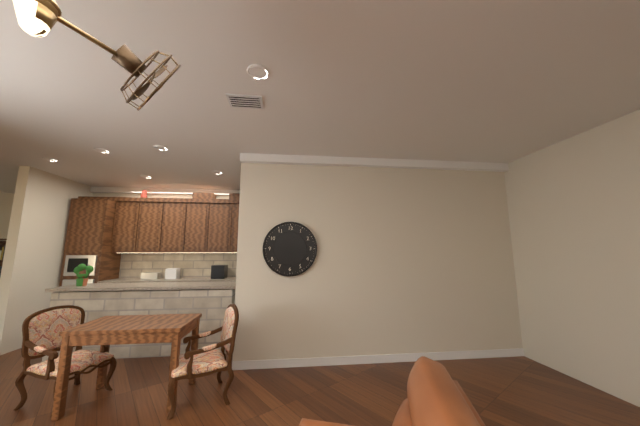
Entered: {"hour": 10, "minute": 0}
